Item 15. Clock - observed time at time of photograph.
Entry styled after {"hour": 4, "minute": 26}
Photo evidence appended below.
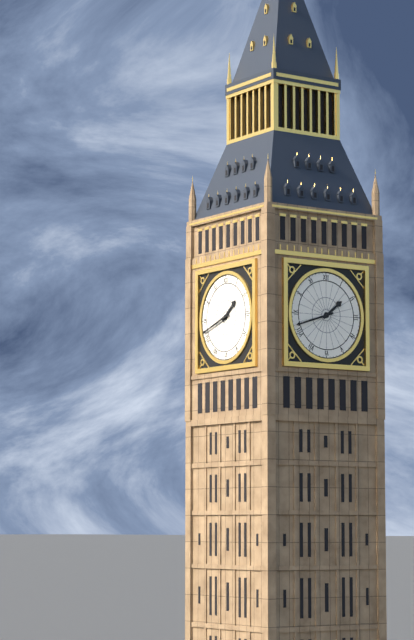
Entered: {"hour": 1, "minute": 42}
